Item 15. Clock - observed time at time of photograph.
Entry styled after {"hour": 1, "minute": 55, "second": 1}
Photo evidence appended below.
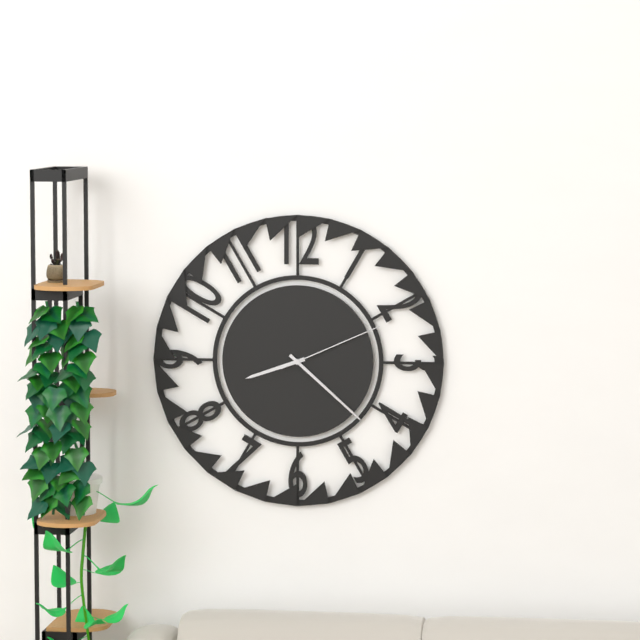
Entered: {"hour": 8, "minute": 22, "second": 11}
